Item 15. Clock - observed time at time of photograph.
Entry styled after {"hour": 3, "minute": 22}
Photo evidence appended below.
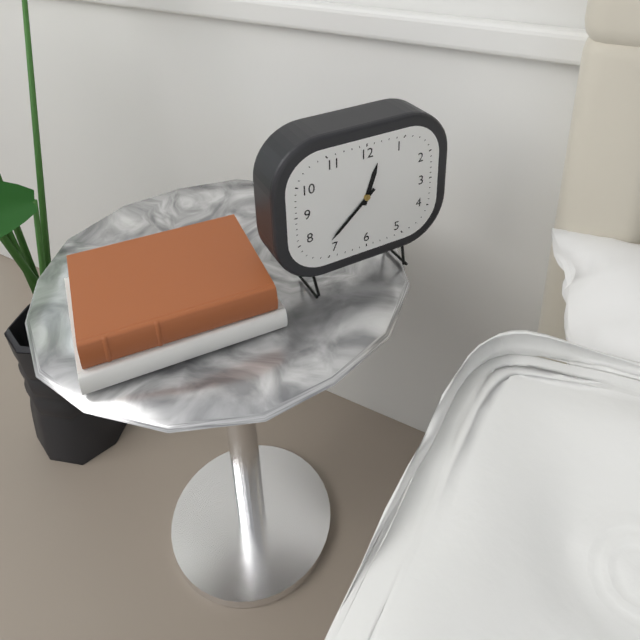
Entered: {"hour": 12, "minute": 38}
